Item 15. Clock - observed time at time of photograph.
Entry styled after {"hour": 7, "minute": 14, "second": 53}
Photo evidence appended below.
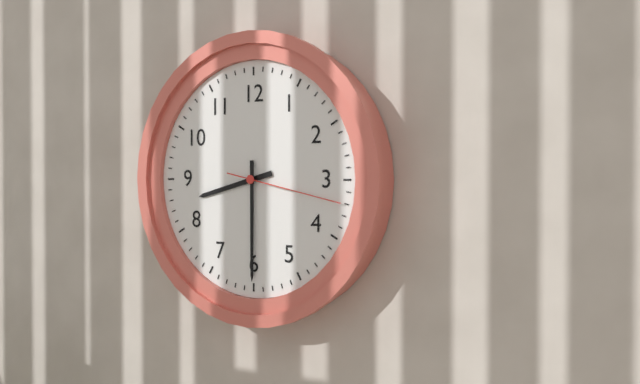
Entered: {"hour": 8, "minute": 30, "second": 17}
